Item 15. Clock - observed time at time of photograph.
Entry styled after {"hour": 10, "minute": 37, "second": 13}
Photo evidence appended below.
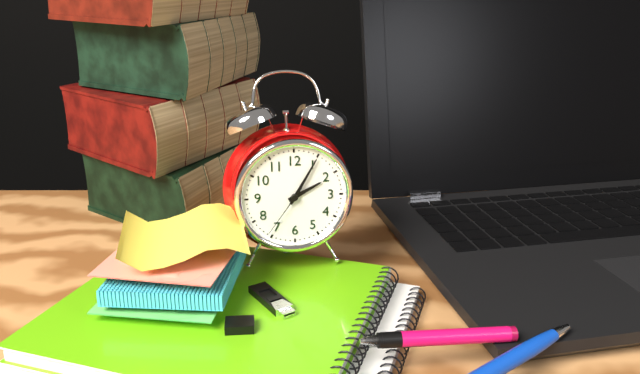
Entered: {"hour": 2, "minute": 5, "second": 36}
